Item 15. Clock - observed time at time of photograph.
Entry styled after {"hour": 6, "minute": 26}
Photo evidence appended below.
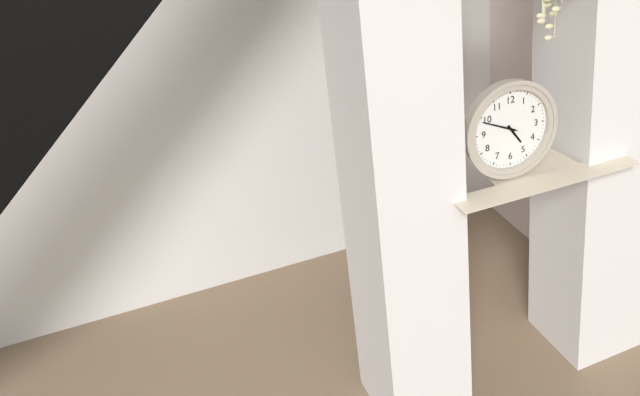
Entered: {"hour": 4, "minute": 49}
